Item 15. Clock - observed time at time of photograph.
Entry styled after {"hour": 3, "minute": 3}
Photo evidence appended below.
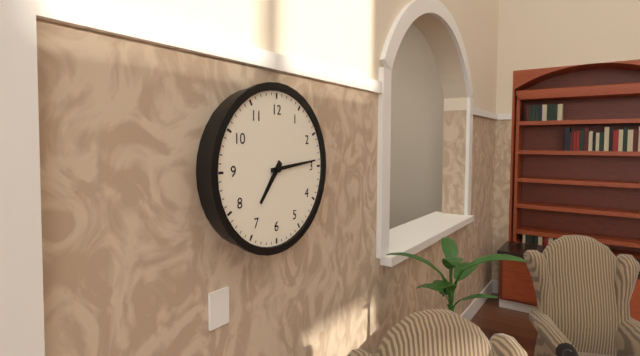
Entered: {"hour": 7, "minute": 14}
